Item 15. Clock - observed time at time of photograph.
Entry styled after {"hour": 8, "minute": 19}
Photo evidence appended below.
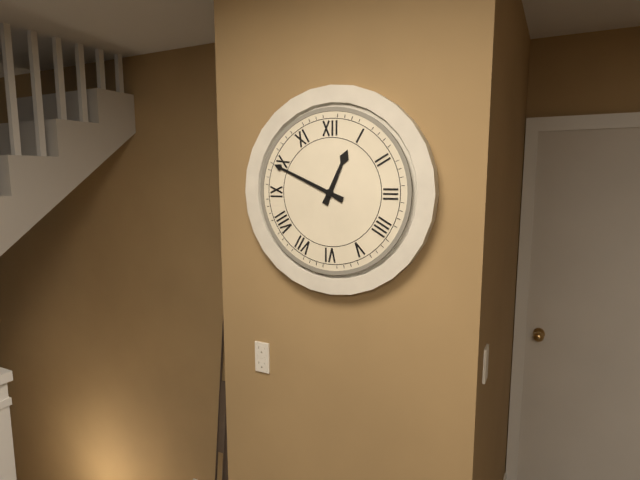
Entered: {"hour": 12, "minute": 49}
